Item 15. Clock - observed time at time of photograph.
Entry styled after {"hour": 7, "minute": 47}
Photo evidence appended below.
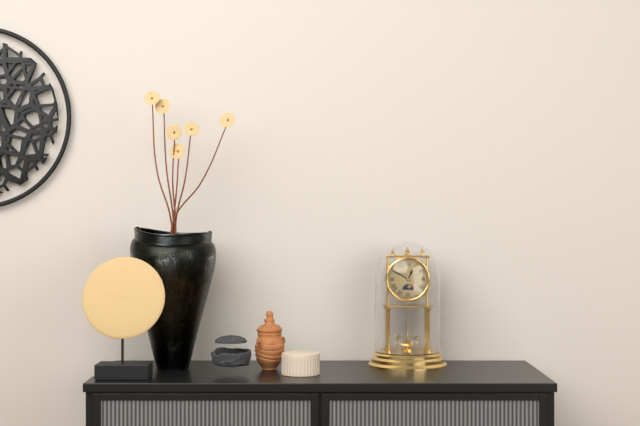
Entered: {"hour": 12, "minute": 50}
